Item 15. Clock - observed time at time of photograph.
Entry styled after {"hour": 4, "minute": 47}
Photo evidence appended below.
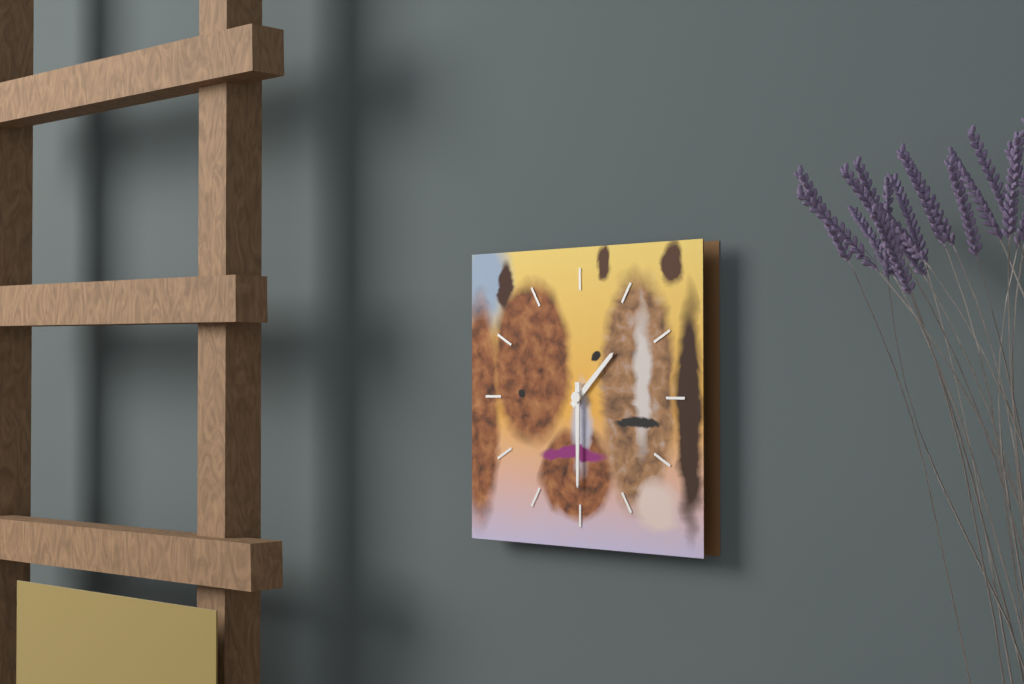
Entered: {"hour": 1, "minute": 30}
